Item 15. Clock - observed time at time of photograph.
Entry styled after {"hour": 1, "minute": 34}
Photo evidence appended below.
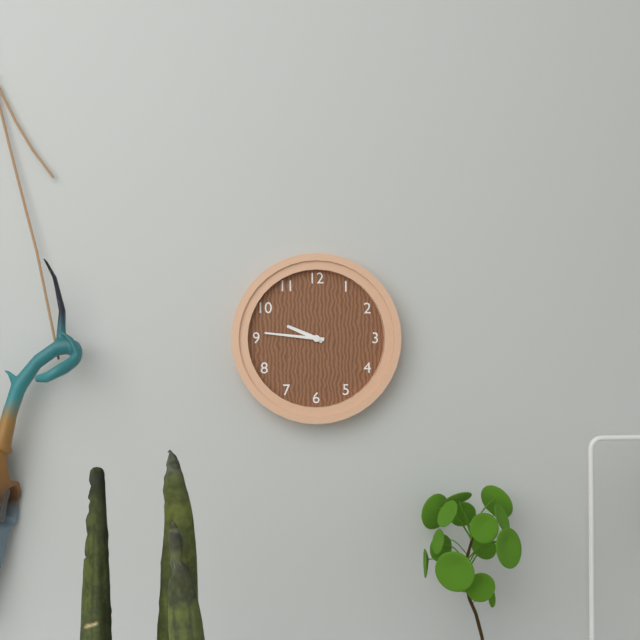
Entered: {"hour": 9, "minute": 46}
